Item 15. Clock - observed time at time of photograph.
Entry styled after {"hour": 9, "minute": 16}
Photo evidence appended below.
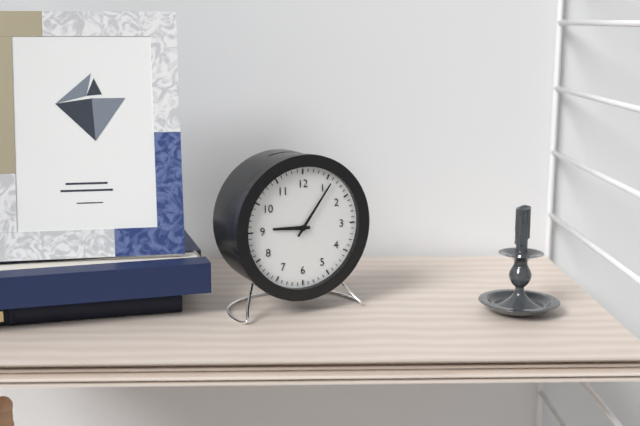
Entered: {"hour": 9, "minute": 6}
